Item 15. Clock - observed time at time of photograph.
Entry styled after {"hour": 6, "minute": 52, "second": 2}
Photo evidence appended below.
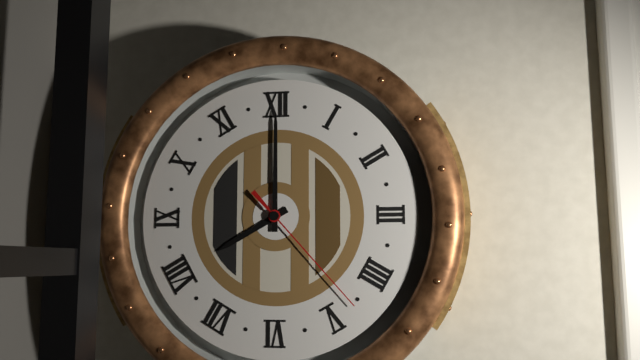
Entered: {"hour": 8, "minute": 0, "second": 23}
